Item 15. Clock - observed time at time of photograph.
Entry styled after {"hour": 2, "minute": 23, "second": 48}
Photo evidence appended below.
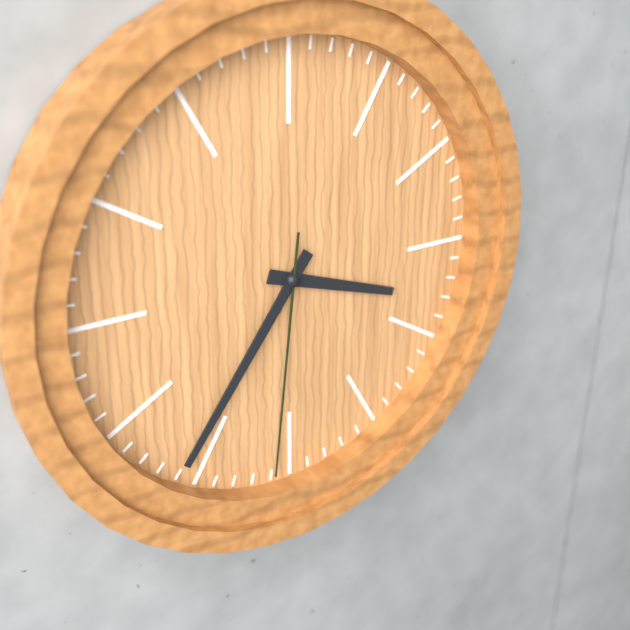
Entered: {"hour": 3, "minute": 36, "second": 31}
